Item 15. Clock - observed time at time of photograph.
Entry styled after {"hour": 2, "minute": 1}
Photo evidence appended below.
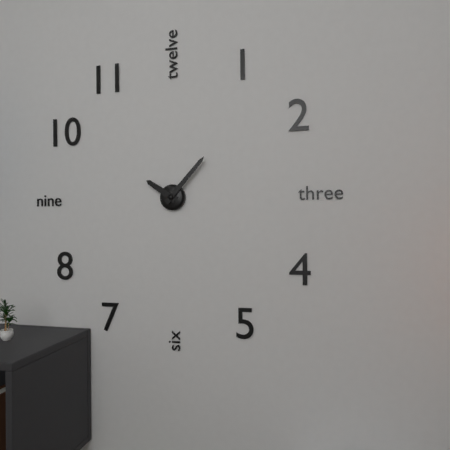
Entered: {"hour": 10, "minute": 7}
